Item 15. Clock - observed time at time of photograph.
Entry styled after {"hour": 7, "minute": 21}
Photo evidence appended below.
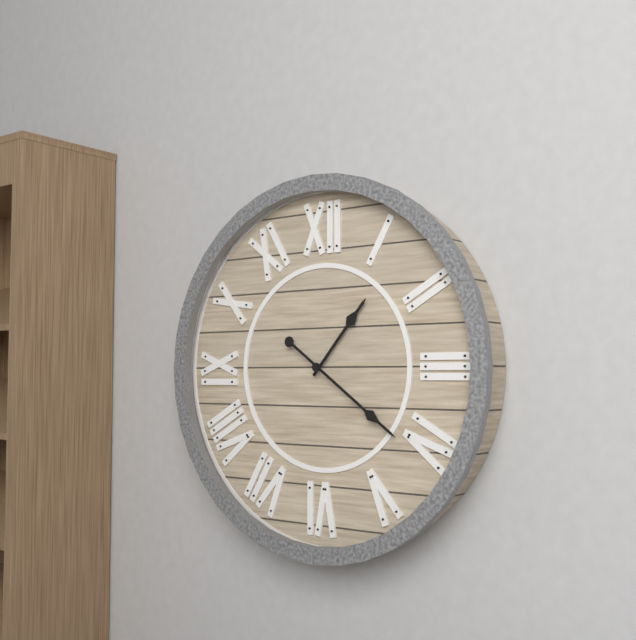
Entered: {"hour": 1, "minute": 21}
